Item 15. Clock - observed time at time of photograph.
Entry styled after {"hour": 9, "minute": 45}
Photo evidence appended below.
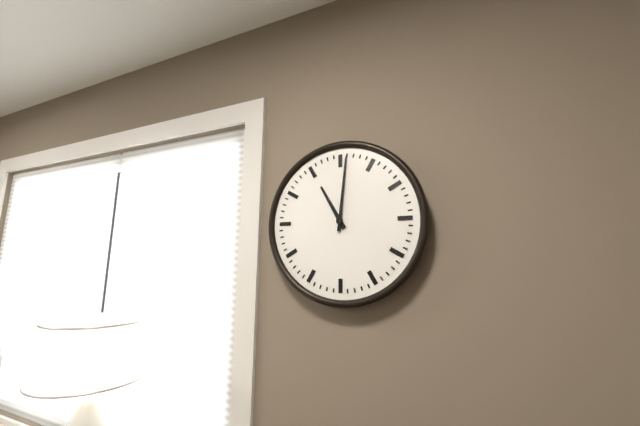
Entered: {"hour": 11, "minute": 1}
